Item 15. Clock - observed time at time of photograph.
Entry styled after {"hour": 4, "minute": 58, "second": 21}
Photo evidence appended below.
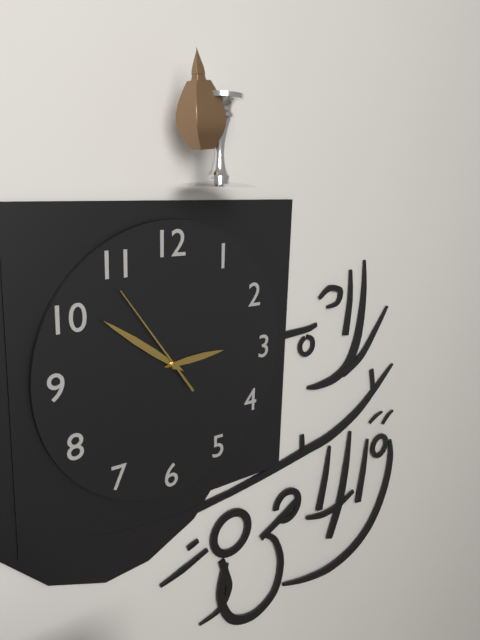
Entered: {"hour": 2, "minute": 51, "second": 54}
